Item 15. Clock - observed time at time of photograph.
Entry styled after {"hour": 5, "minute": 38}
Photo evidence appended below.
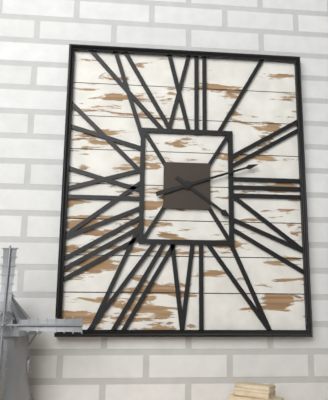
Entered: {"hour": 4, "minute": 12}
